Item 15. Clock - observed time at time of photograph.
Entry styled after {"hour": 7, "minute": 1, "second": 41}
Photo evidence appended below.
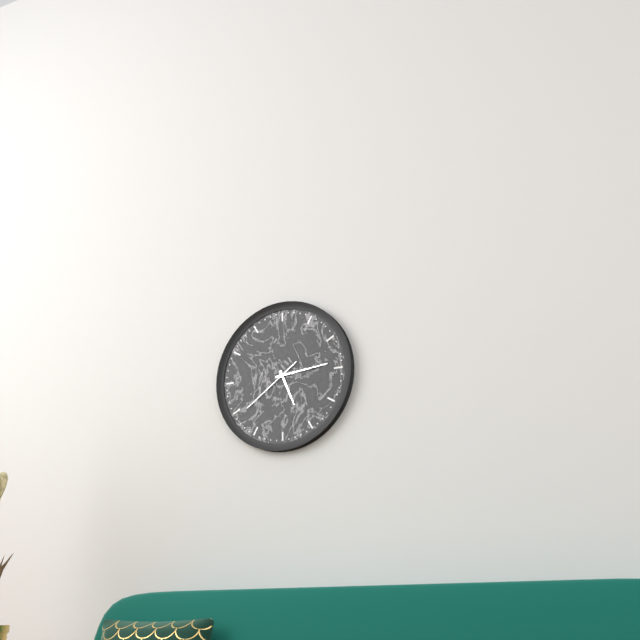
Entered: {"hour": 5, "minute": 14, "second": 39}
